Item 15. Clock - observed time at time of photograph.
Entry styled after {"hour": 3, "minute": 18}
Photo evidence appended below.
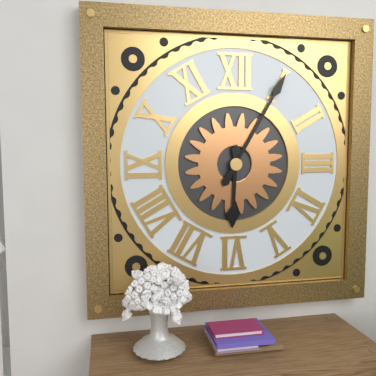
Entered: {"hour": 6, "minute": 5}
